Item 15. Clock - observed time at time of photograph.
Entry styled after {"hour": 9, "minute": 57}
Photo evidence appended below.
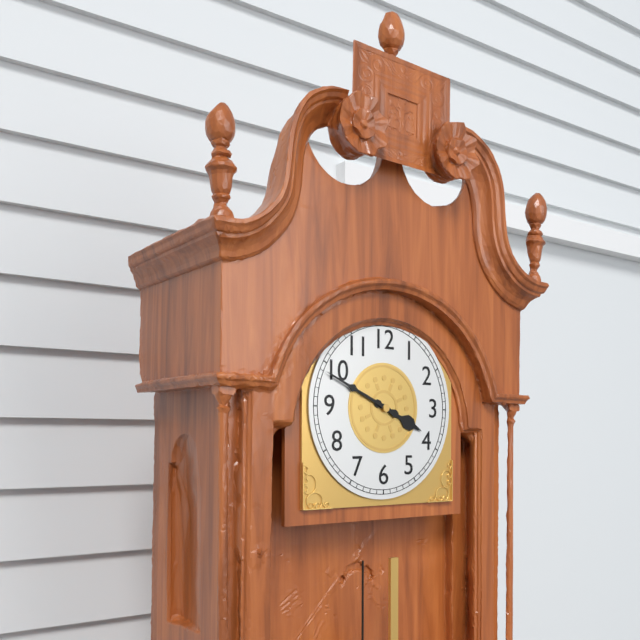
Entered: {"hour": 3, "minute": 49}
